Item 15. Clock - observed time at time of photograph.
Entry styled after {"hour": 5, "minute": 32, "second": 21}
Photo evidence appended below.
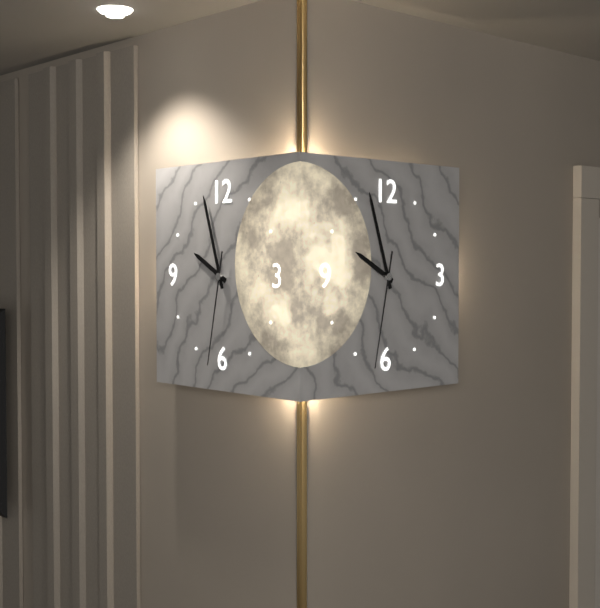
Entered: {"hour": 9, "minute": 57, "second": 32}
